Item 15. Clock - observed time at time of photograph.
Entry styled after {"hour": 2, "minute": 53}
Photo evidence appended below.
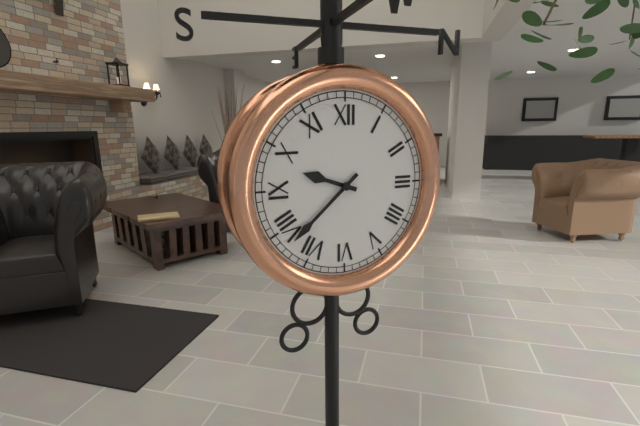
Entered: {"hour": 9, "minute": 38}
